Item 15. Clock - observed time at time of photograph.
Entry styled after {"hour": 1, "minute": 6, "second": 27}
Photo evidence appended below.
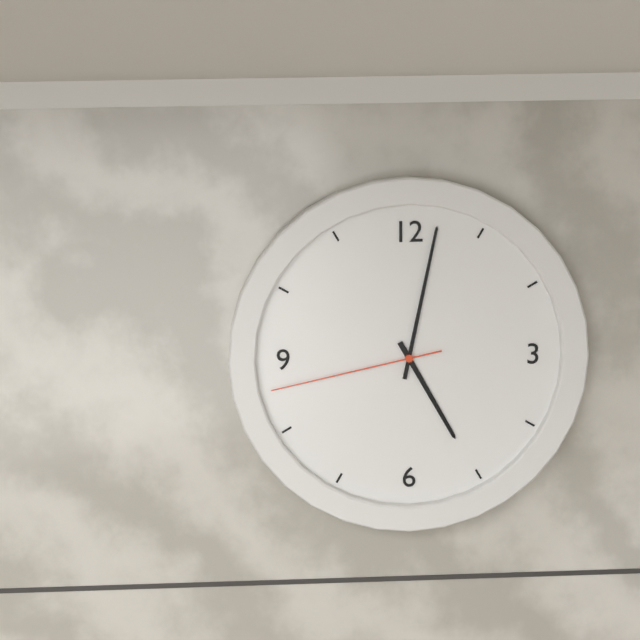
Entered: {"hour": 5, "minute": 2, "second": 43}
